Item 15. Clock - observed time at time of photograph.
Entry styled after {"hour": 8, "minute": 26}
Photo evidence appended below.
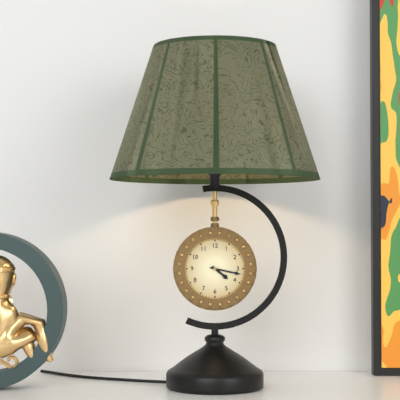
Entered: {"hour": 4, "minute": 17}
